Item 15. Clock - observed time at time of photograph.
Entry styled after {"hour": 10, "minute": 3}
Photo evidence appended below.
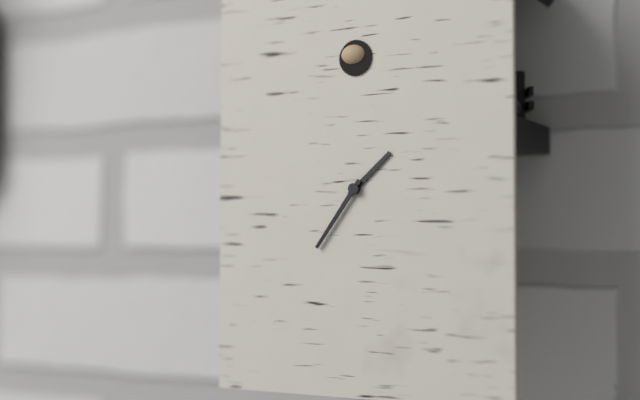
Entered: {"hour": 1, "minute": 36}
